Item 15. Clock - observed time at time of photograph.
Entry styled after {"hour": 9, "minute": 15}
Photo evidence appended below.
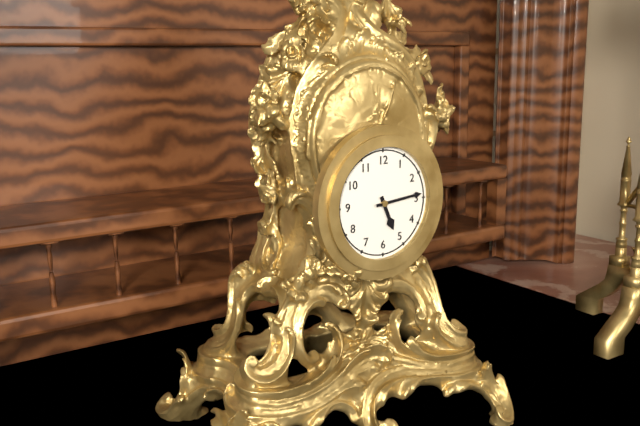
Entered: {"hour": 5, "minute": 14}
